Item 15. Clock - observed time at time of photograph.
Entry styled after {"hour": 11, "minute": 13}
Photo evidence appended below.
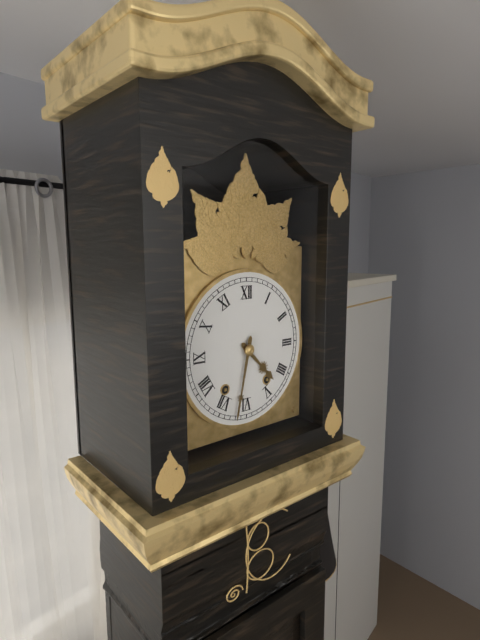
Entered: {"hour": 4, "minute": 32}
